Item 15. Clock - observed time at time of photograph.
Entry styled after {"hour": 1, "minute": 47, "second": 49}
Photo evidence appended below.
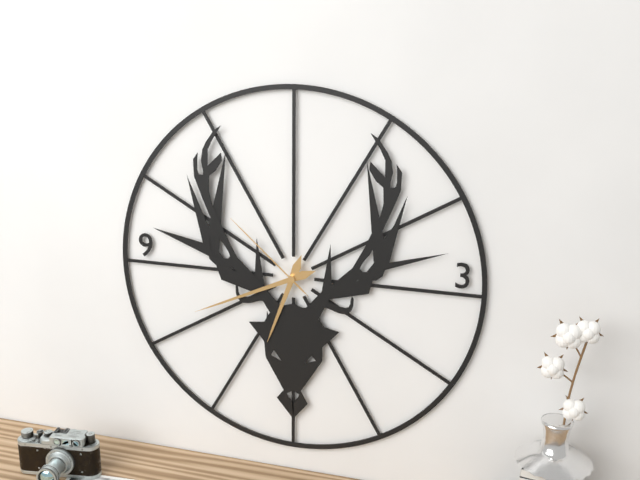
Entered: {"hour": 6, "minute": 41, "second": 52}
